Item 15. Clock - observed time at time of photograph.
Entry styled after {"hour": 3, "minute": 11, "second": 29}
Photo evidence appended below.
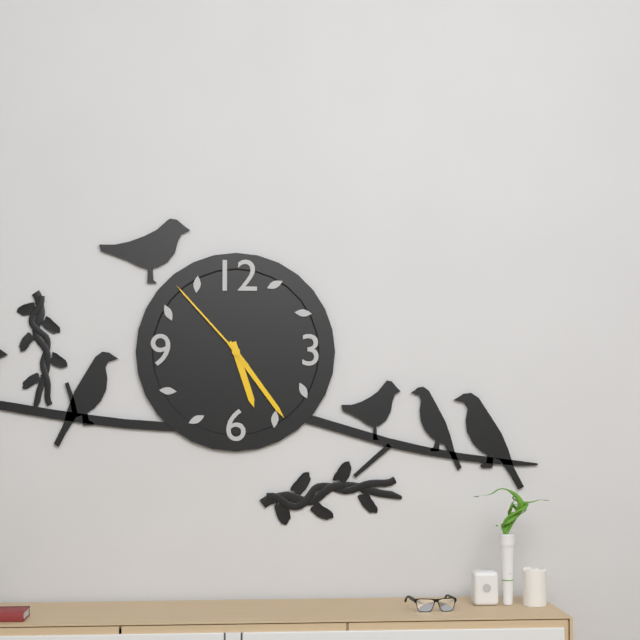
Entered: {"hour": 5, "minute": 24, "second": 53}
